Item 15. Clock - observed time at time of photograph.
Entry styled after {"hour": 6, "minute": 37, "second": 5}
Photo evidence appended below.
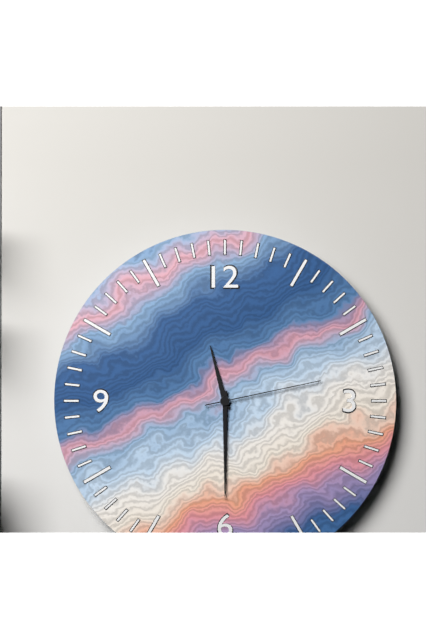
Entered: {"hour": 11, "minute": 30, "second": 13}
